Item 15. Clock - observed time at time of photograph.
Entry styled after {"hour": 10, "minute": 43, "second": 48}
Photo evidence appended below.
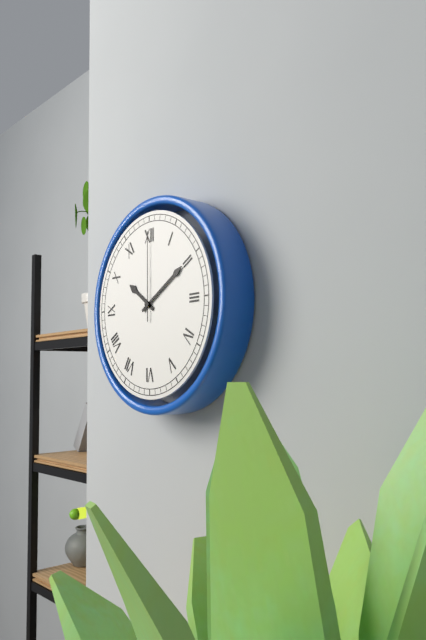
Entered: {"hour": 10, "minute": 10, "second": 0}
